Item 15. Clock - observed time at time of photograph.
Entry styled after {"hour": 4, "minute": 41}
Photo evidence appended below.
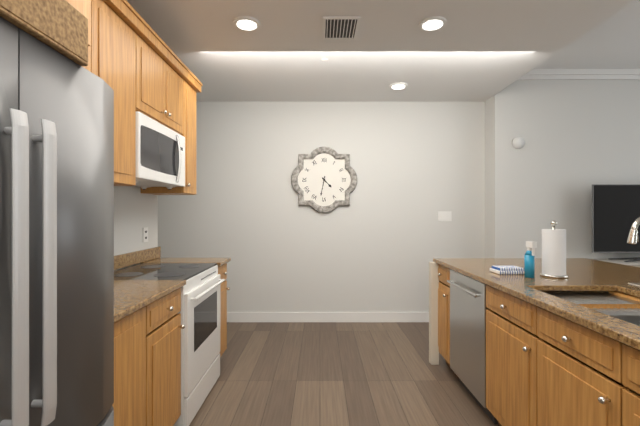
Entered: {"hour": 4, "minute": 32}
